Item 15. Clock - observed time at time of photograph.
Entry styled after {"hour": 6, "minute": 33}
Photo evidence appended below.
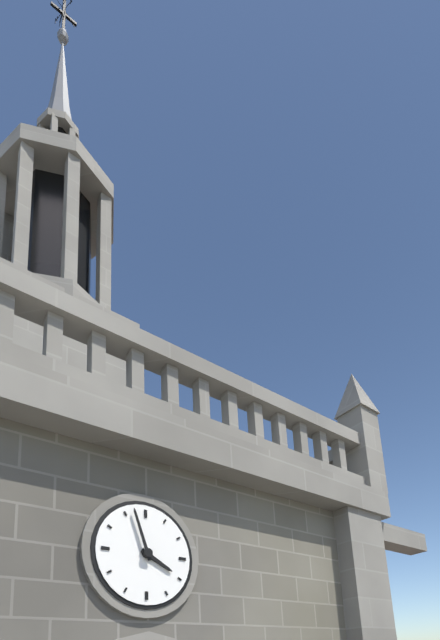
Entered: {"hour": 3, "minute": 57}
